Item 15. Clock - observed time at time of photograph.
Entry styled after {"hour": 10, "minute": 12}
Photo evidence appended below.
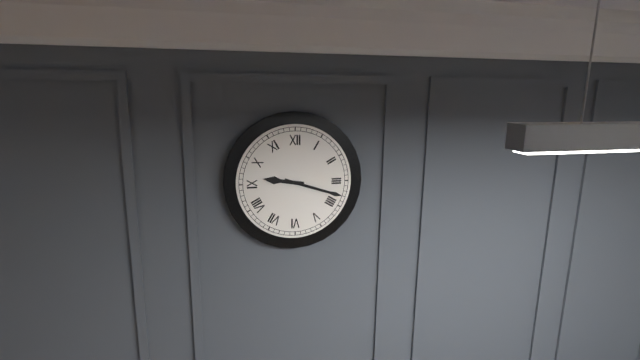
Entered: {"hour": 9, "minute": 18}
